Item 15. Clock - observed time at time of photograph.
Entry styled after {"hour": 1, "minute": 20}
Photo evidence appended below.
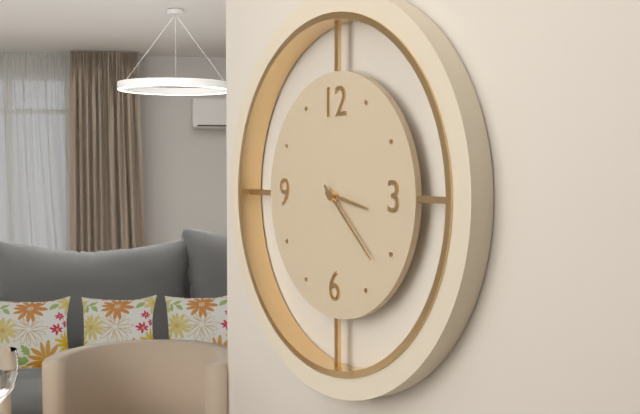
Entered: {"hour": 3, "minute": 22}
